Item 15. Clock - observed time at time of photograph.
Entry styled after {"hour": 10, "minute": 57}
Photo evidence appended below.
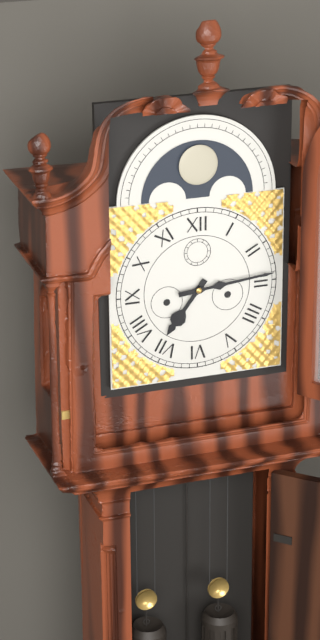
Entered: {"hour": 7, "minute": 14}
